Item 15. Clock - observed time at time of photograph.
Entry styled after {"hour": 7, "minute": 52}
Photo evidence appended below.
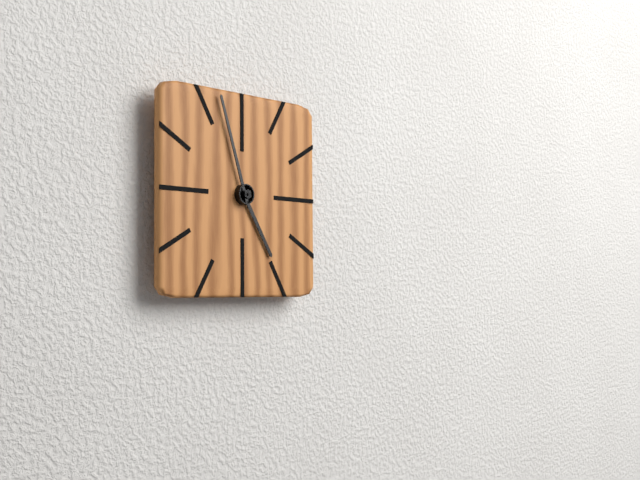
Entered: {"hour": 4, "minute": 57}
